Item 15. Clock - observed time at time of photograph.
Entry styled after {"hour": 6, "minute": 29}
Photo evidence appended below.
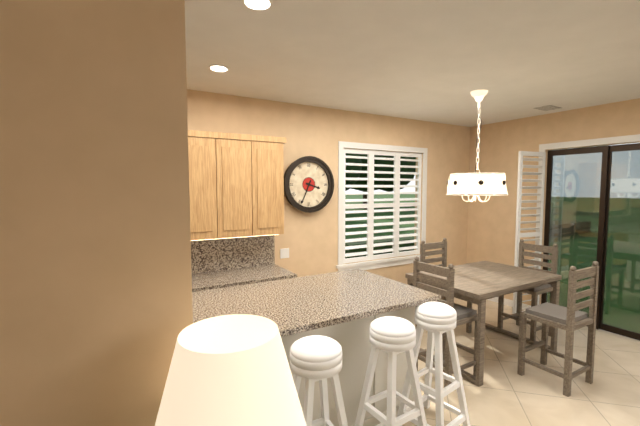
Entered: {"hour": 3, "minute": 34}
